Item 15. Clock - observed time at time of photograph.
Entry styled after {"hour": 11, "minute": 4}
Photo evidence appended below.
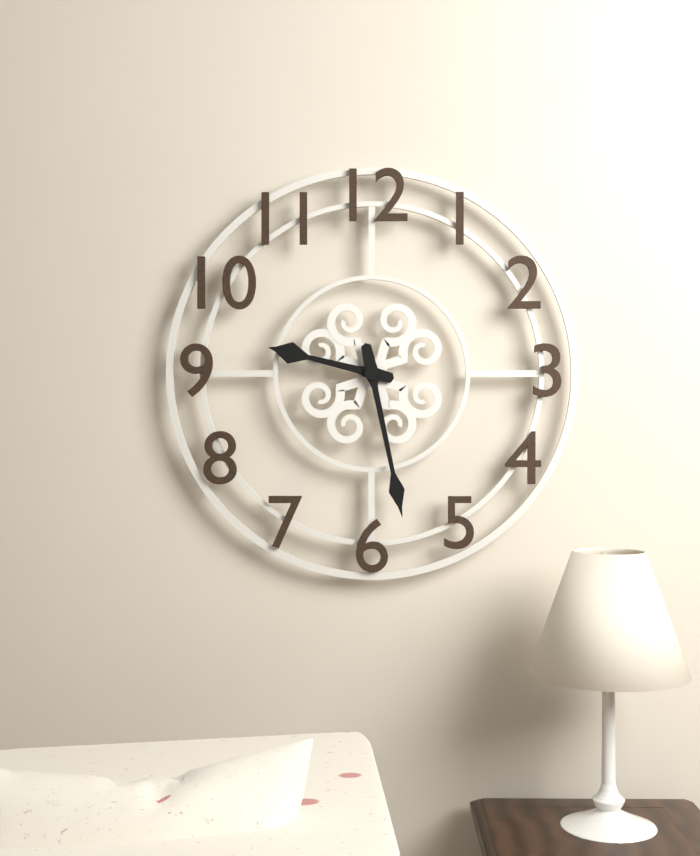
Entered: {"hour": 9, "minute": 28}
